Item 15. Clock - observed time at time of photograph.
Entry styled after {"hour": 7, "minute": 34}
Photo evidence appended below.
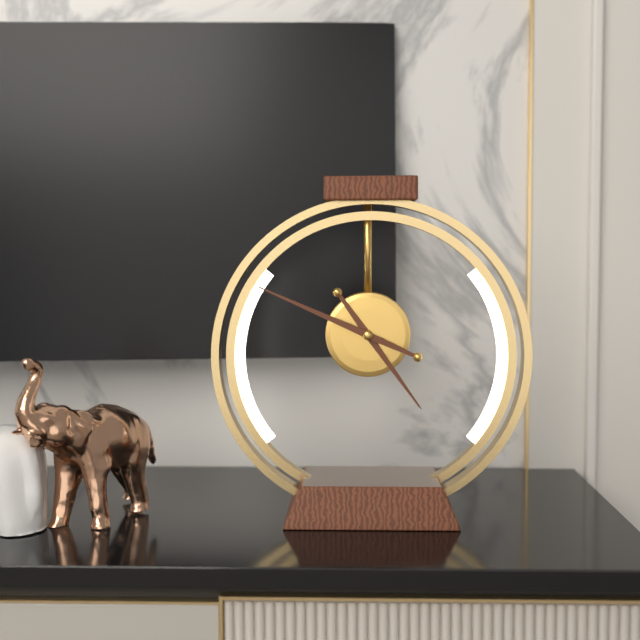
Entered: {"hour": 4, "minute": 49}
